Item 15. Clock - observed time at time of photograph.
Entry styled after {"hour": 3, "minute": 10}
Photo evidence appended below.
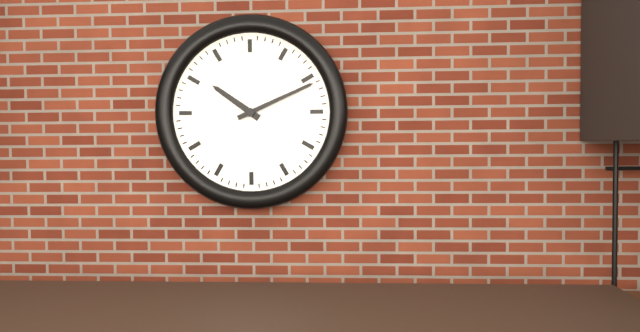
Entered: {"hour": 10, "minute": 11}
